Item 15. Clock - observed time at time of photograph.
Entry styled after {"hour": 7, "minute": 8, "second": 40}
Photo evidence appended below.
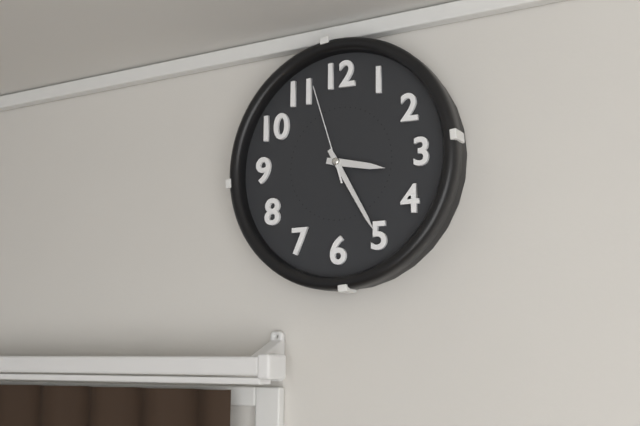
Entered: {"hour": 3, "minute": 25, "second": 57}
